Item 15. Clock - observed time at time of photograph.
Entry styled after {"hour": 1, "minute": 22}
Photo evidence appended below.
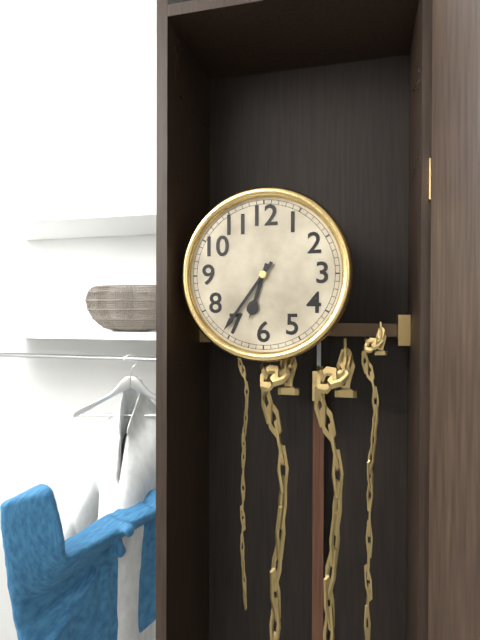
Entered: {"hour": 6, "minute": 36}
